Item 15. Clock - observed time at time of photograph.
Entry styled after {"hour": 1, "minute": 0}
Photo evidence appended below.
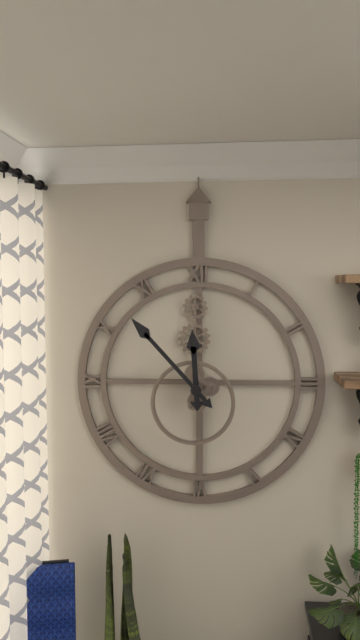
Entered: {"hour": 11, "minute": 53}
